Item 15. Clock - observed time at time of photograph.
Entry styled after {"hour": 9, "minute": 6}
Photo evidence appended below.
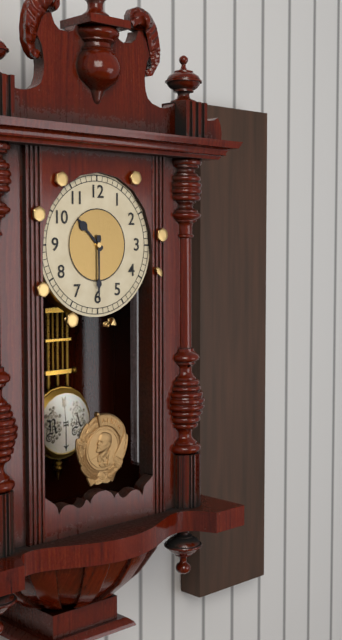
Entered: {"hour": 10, "minute": 30}
